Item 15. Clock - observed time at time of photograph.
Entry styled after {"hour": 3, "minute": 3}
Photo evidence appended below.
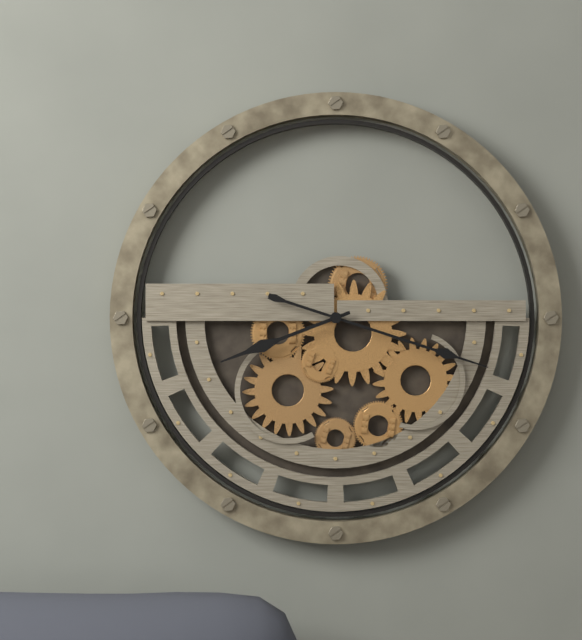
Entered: {"hour": 8, "minute": 18}
